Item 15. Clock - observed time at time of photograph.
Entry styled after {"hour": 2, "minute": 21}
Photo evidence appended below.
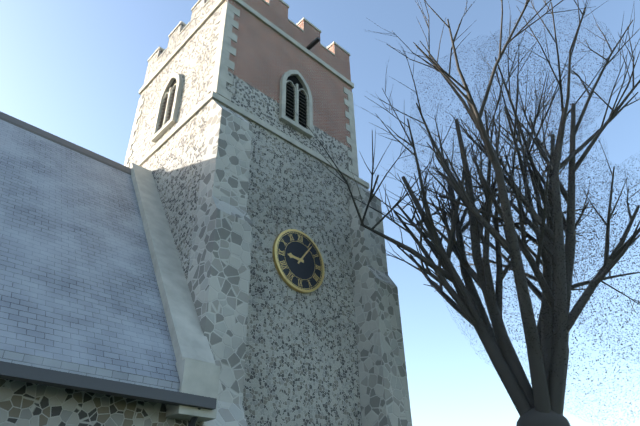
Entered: {"hour": 9, "minute": 6}
